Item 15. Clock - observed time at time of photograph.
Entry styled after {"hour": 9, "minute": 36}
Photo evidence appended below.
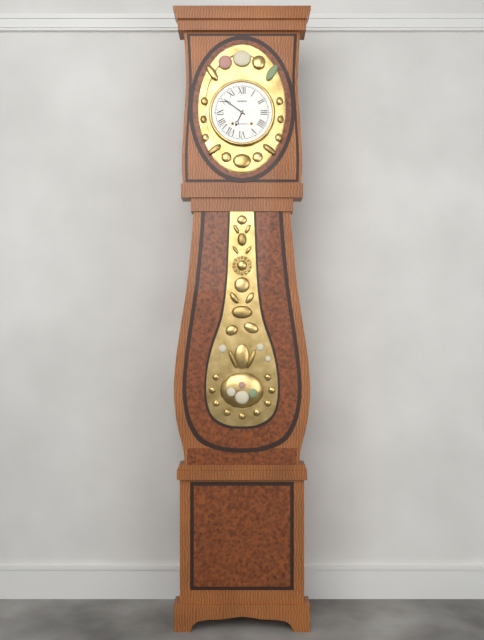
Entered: {"hour": 6, "minute": 51}
